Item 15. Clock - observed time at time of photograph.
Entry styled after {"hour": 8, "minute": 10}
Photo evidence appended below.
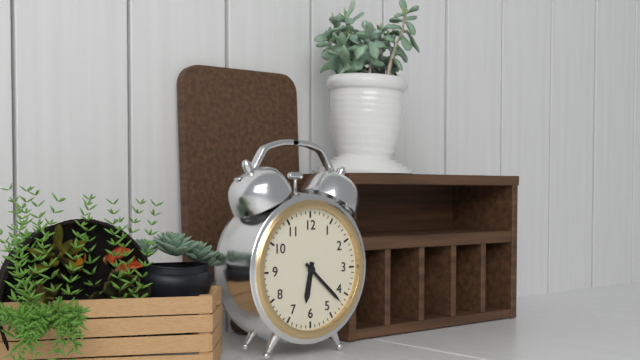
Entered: {"hour": 6, "minute": 22}
